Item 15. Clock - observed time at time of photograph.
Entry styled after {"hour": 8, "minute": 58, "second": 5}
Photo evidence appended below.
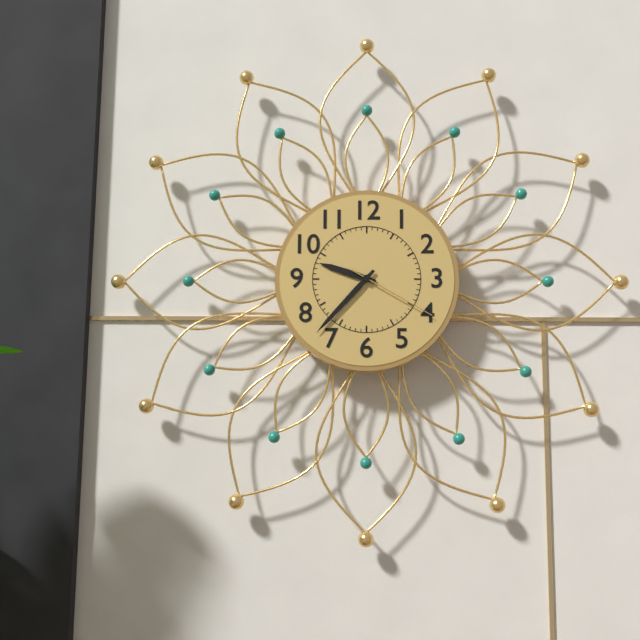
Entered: {"hour": 9, "minute": 37, "second": 20}
